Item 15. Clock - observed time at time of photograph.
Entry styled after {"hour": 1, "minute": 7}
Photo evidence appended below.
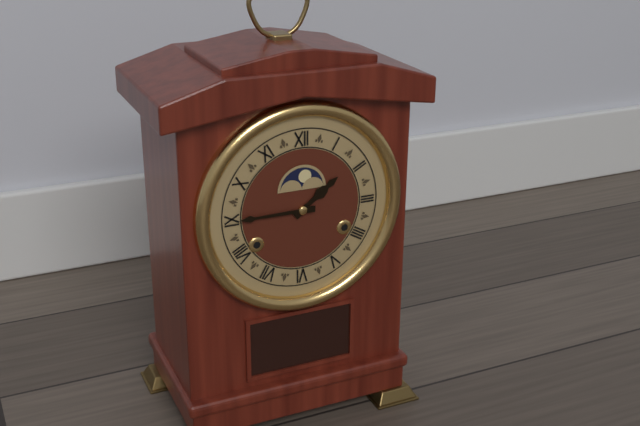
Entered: {"hour": 1, "minute": 45}
